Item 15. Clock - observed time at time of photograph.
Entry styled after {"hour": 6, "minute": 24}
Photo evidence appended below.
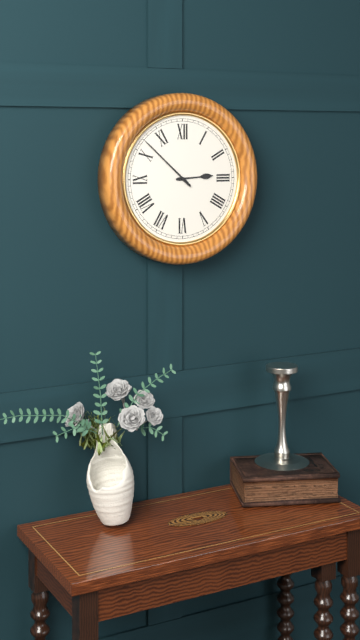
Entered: {"hour": 2, "minute": 52}
